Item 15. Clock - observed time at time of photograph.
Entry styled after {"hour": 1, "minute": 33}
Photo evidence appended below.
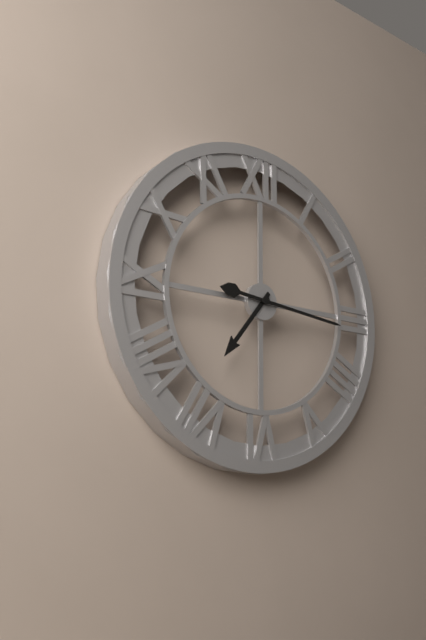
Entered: {"hour": 7, "minute": 16}
